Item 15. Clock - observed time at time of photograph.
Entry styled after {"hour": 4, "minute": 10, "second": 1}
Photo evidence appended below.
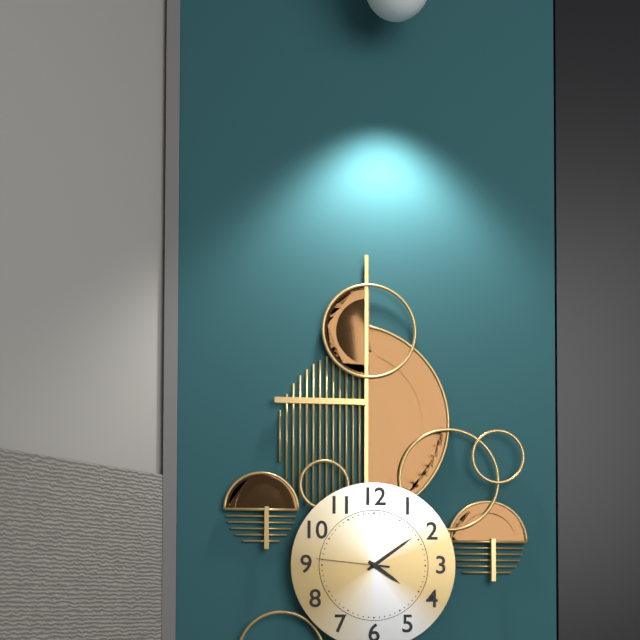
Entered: {"hour": 4, "minute": 9, "second": 46}
